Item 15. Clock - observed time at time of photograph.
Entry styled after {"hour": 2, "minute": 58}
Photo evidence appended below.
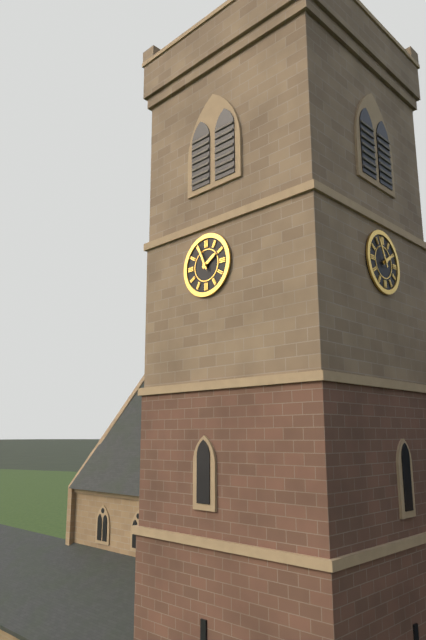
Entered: {"hour": 1, "minute": 56}
